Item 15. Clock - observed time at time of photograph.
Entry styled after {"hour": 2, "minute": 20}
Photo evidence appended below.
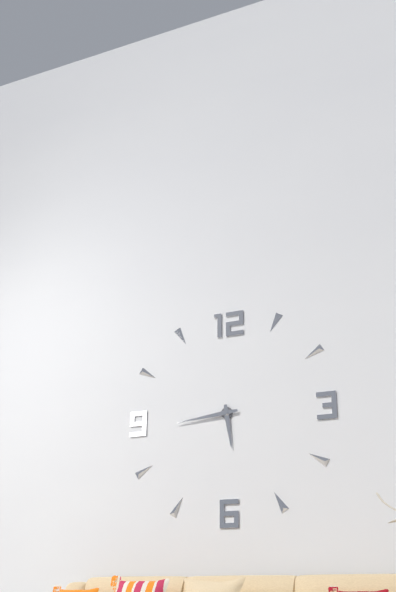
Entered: {"hour": 5, "minute": 44}
